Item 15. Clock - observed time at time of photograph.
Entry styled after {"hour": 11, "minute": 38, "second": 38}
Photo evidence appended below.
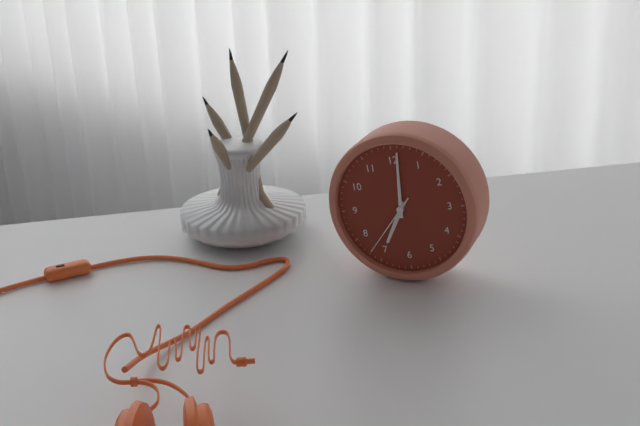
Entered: {"hour": 7, "minute": 1, "second": 37}
